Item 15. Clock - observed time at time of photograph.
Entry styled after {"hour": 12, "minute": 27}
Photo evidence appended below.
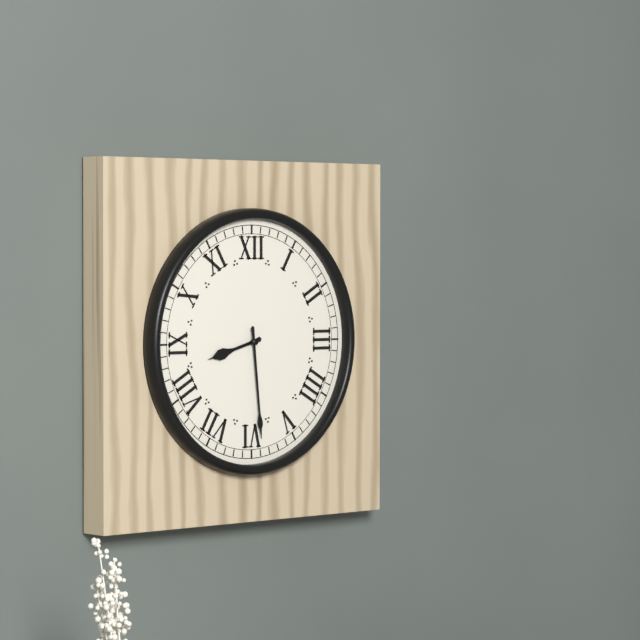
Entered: {"hour": 8, "minute": 29}
